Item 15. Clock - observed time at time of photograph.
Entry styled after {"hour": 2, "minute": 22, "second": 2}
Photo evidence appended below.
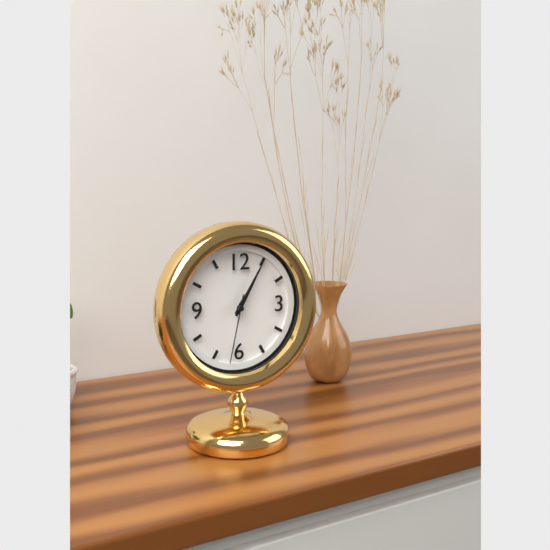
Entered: {"hour": 1, "minute": 5, "second": 32}
